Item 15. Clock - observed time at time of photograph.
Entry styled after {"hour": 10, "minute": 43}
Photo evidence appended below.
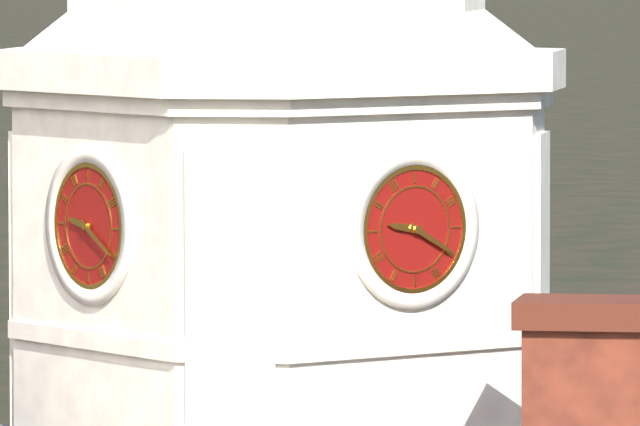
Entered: {"hour": 9, "minute": 20}
